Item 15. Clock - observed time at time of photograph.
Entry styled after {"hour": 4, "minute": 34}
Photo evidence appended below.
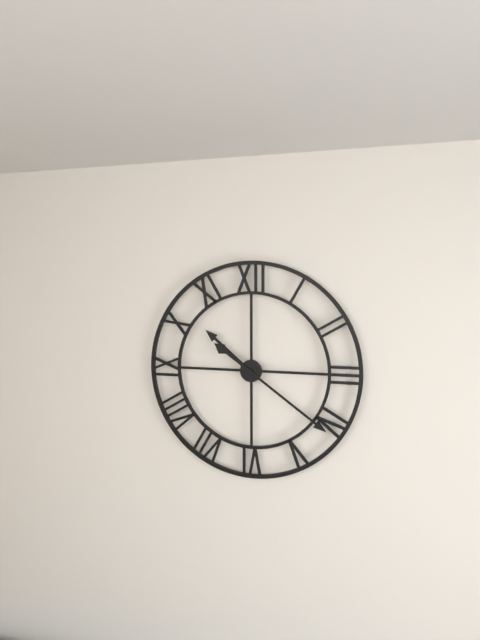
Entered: {"hour": 10, "minute": 21}
